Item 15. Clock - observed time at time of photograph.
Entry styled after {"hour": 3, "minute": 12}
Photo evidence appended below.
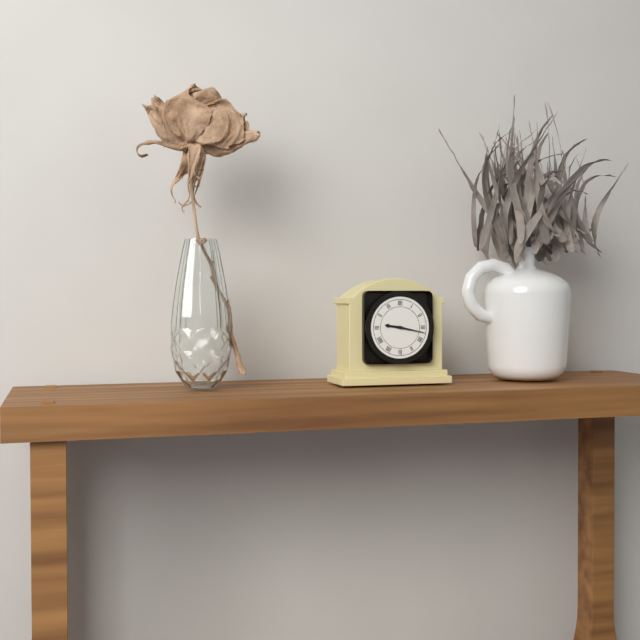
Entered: {"hour": 9, "minute": 17}
